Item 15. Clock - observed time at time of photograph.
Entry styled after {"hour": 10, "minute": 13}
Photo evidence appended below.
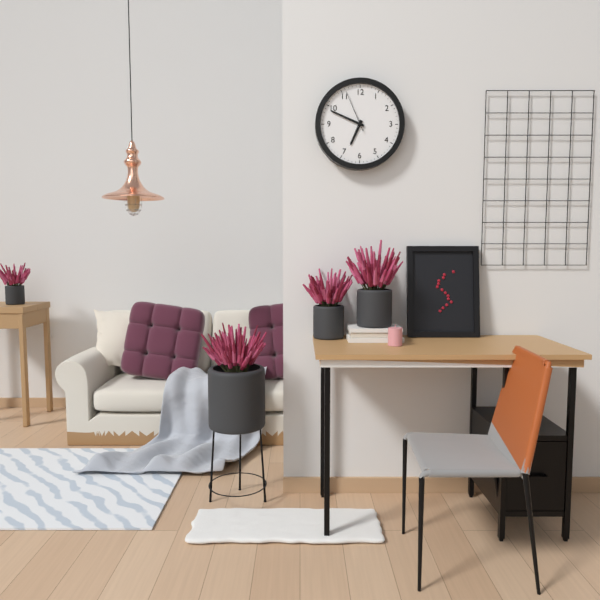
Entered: {"hour": 6, "minute": 49}
